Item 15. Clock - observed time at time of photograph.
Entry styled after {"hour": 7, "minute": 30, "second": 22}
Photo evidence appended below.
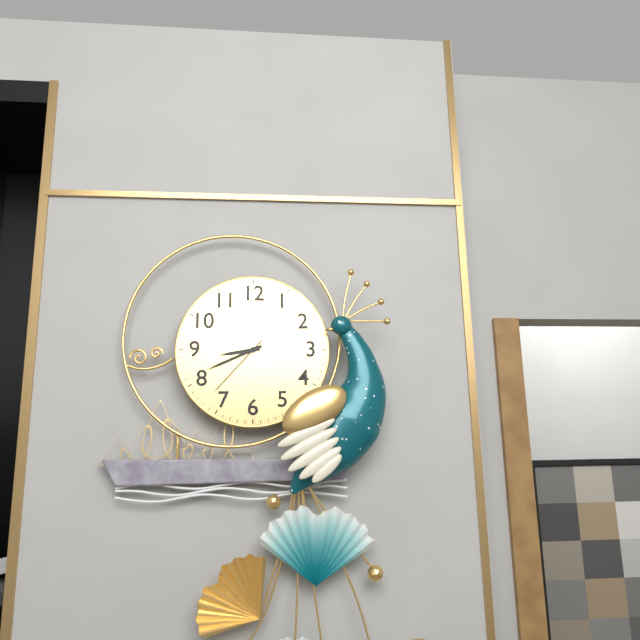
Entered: {"hour": 8, "minute": 41, "second": 37}
